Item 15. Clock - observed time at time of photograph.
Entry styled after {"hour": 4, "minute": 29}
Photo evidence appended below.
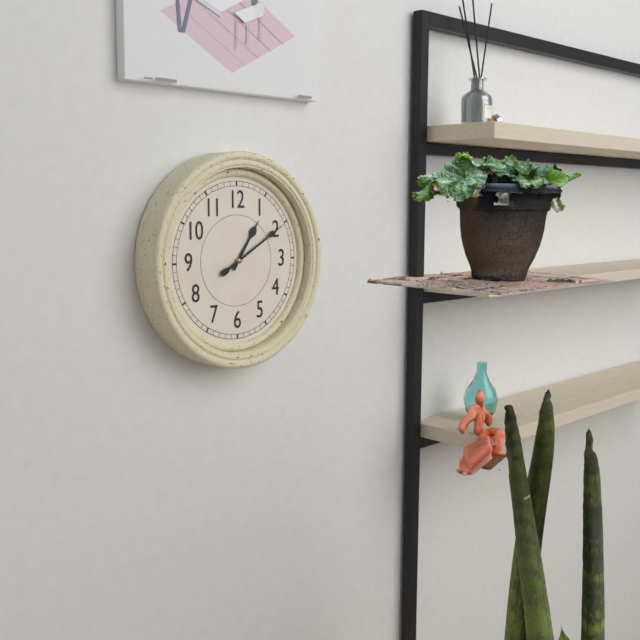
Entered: {"hour": 1, "minute": 10}
